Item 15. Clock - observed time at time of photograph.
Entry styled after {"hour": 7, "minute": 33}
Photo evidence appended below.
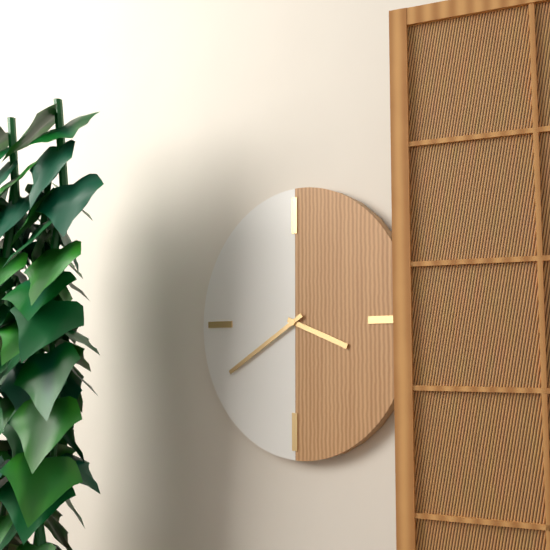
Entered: {"hour": 3, "minute": 40}
